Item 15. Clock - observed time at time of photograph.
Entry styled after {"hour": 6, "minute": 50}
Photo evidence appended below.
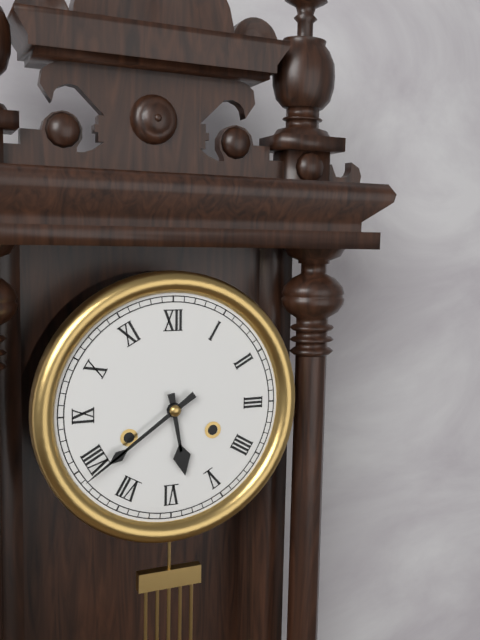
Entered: {"hour": 5, "minute": 39}
